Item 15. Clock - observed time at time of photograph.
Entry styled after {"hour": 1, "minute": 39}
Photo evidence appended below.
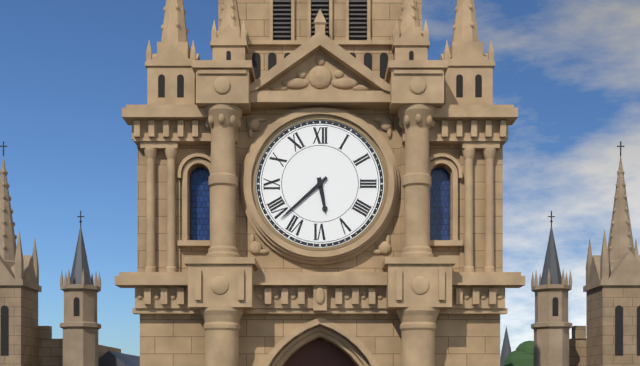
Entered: {"hour": 5, "minute": 38}
